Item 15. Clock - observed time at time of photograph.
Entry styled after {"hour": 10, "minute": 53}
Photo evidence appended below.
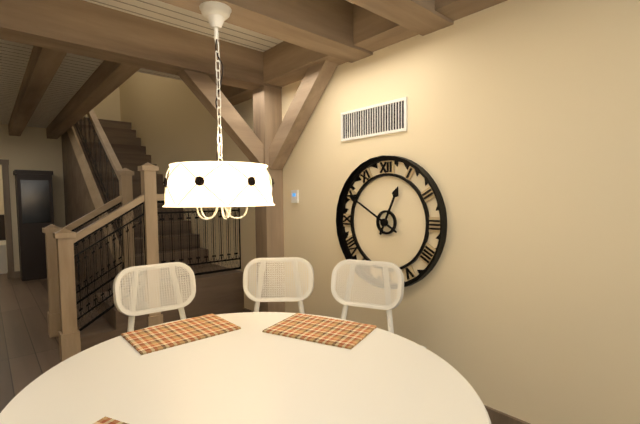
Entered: {"hour": 12, "minute": 50}
